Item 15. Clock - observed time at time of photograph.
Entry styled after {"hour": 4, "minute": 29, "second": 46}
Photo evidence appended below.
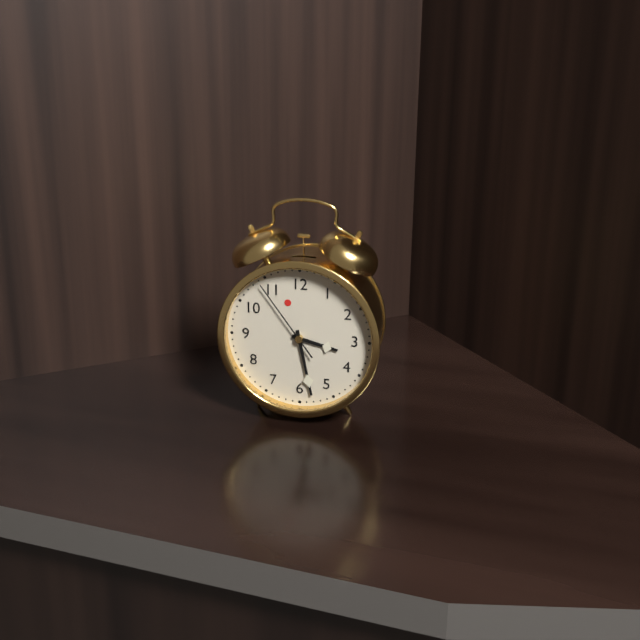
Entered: {"hour": 3, "minute": 28, "second": 54}
